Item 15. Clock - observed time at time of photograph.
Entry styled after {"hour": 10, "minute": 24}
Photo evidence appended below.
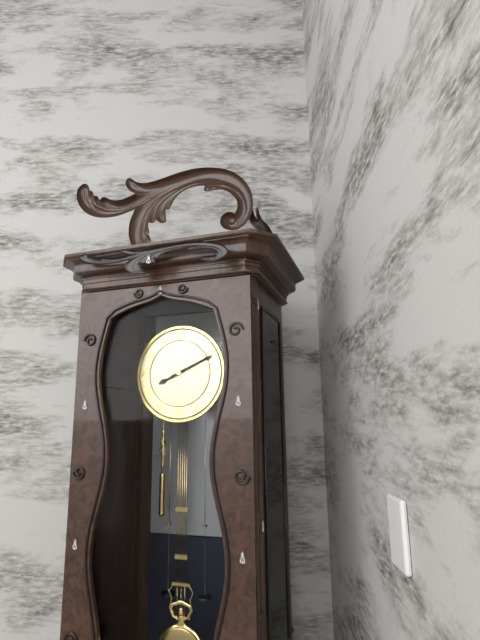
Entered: {"hour": 8, "minute": 11}
